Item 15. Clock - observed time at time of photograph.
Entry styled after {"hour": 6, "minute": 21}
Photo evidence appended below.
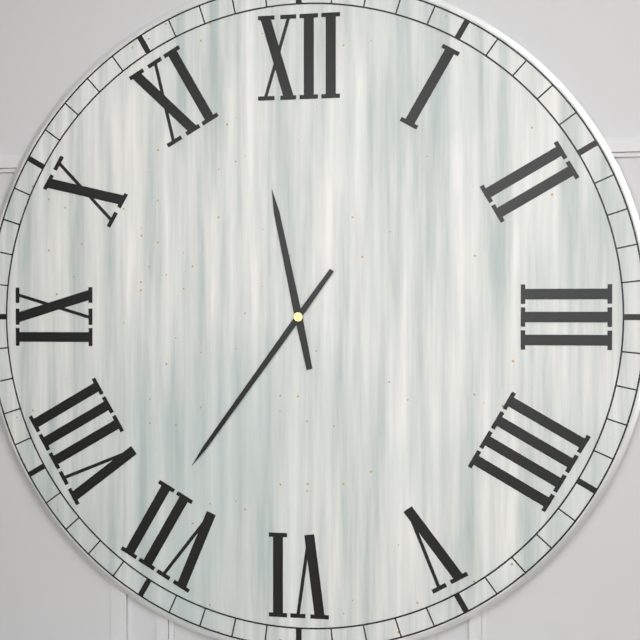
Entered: {"hour": 11, "minute": 36}
